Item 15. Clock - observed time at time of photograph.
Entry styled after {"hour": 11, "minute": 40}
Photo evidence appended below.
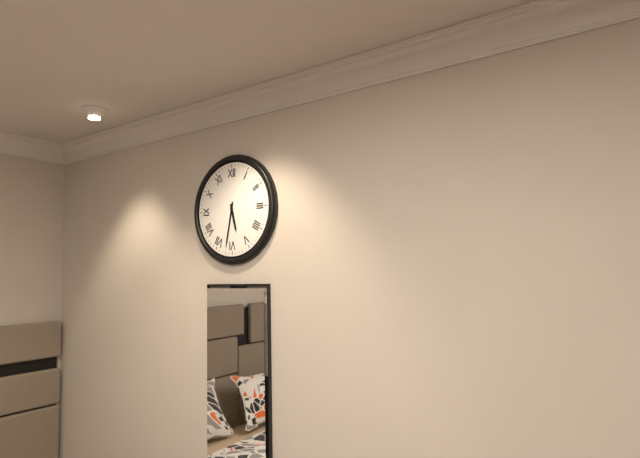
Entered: {"hour": 5, "minute": 32}
